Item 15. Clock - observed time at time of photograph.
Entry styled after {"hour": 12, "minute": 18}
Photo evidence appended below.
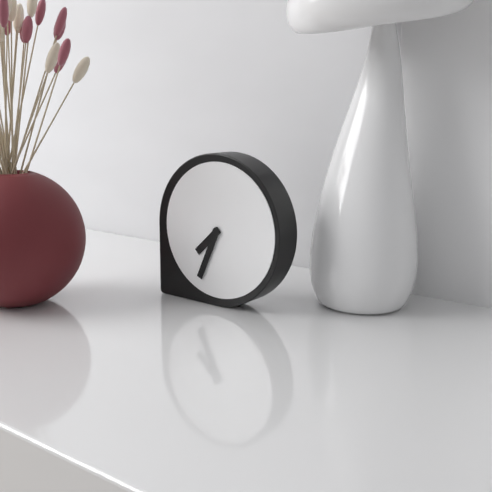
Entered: {"hour": 7, "minute": 34}
